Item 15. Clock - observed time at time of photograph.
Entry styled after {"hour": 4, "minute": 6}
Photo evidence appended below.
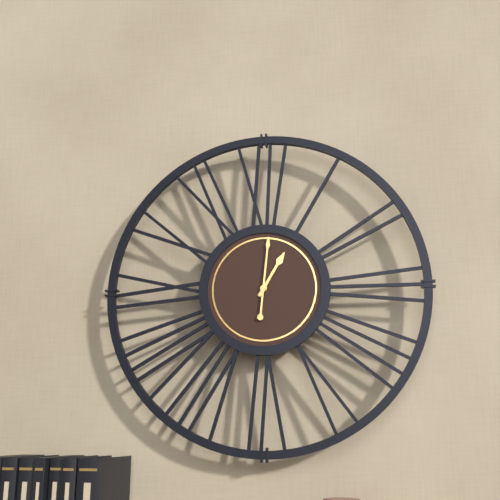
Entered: {"hour": 1, "minute": 1}
